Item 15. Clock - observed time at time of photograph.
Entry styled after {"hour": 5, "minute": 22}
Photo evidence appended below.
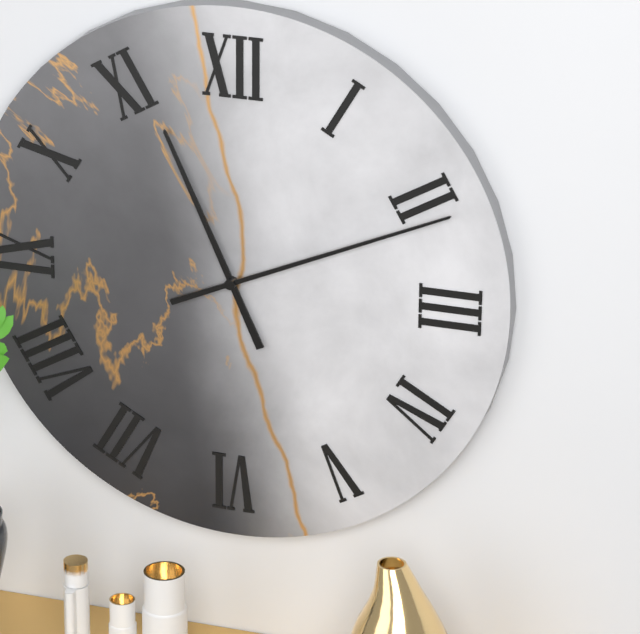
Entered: {"hour": 11, "minute": 11}
